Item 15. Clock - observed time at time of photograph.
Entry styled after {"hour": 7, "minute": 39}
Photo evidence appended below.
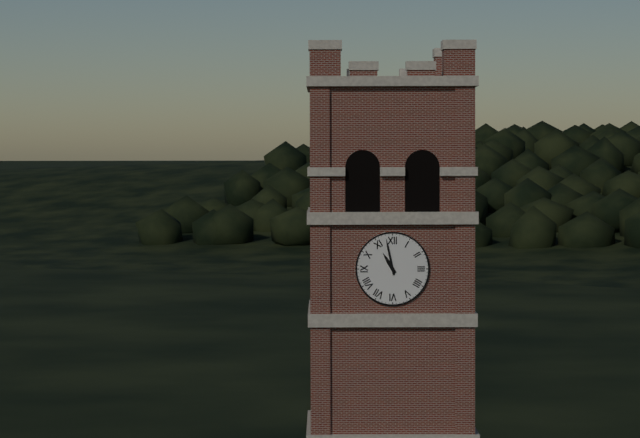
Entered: {"hour": 10, "minute": 58}
